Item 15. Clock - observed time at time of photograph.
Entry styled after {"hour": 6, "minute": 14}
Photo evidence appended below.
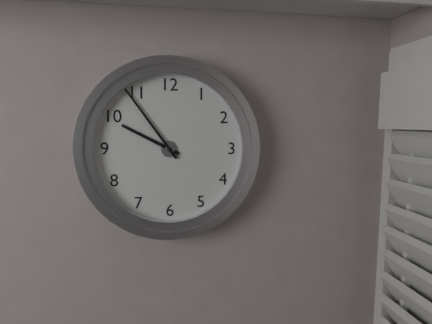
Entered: {"hour": 9, "minute": 54}
